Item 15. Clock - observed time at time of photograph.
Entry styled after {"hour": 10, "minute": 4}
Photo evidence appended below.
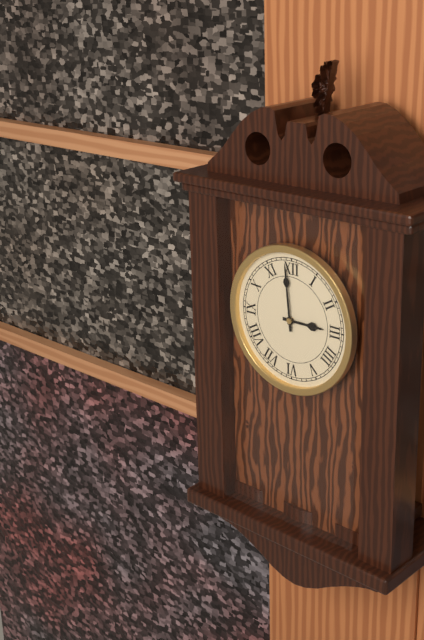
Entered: {"hour": 2, "minute": 59}
